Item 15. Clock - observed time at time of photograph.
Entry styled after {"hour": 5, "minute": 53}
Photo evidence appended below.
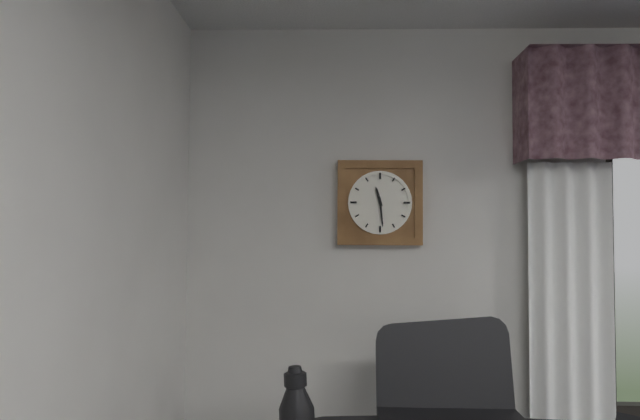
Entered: {"hour": 11, "minute": 29}
